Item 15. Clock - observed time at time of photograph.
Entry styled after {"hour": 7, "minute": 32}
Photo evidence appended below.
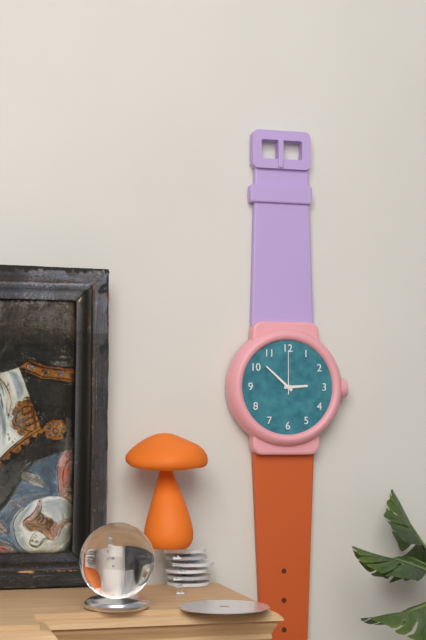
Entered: {"hour": 2, "minute": 52}
